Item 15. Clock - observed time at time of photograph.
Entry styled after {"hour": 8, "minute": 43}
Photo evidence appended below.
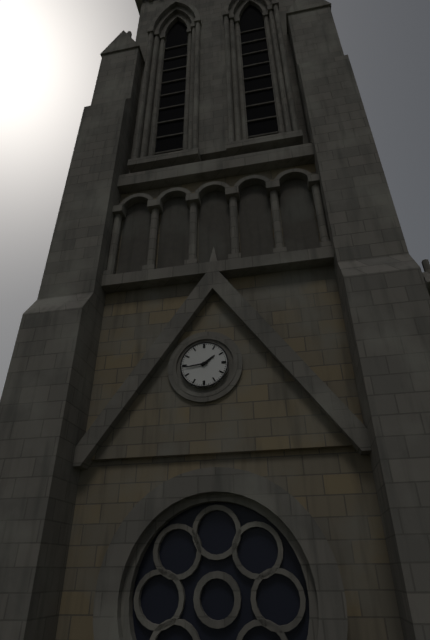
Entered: {"hour": 1, "minute": 44}
